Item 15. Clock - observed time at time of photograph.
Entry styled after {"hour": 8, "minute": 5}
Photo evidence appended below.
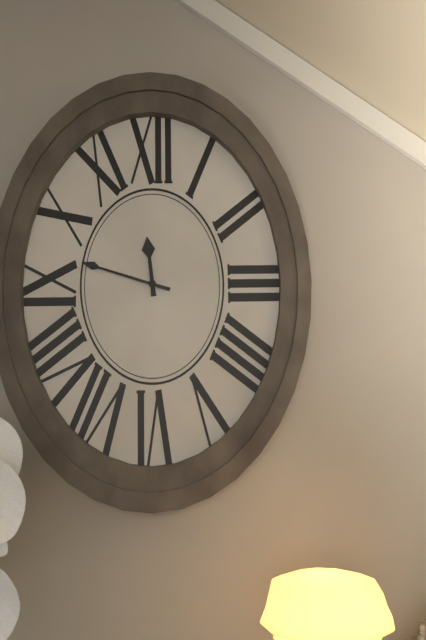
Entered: {"hour": 11, "minute": 48}
